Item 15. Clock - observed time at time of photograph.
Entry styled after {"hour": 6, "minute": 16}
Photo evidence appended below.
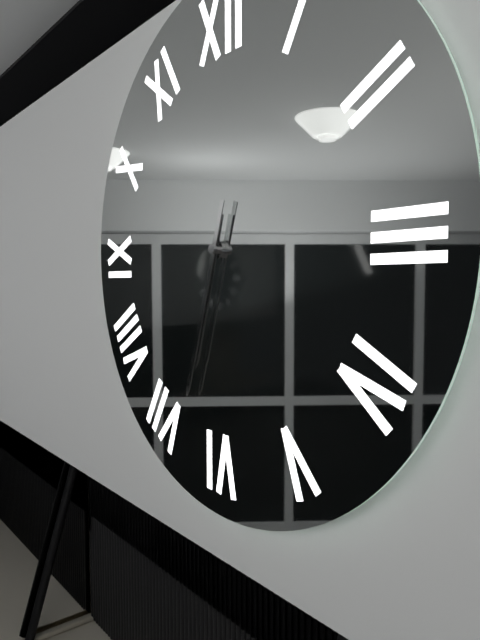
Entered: {"hour": 6, "minute": 33}
